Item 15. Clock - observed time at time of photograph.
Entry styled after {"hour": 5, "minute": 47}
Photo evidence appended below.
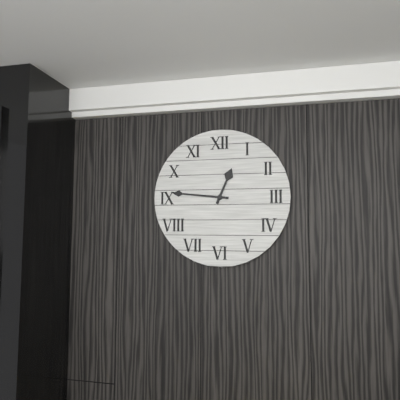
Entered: {"hour": 12, "minute": 46}
